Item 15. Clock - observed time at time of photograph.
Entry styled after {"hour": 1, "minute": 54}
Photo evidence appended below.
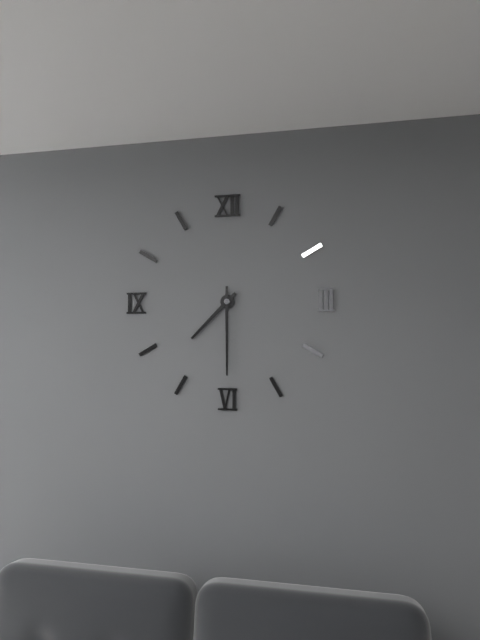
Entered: {"hour": 7, "minute": 30}
